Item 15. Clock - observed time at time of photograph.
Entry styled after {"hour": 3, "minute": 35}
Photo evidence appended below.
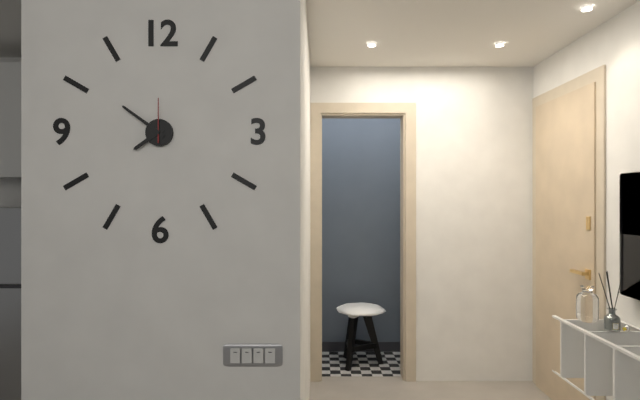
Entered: {"hour": 7, "minute": 51}
